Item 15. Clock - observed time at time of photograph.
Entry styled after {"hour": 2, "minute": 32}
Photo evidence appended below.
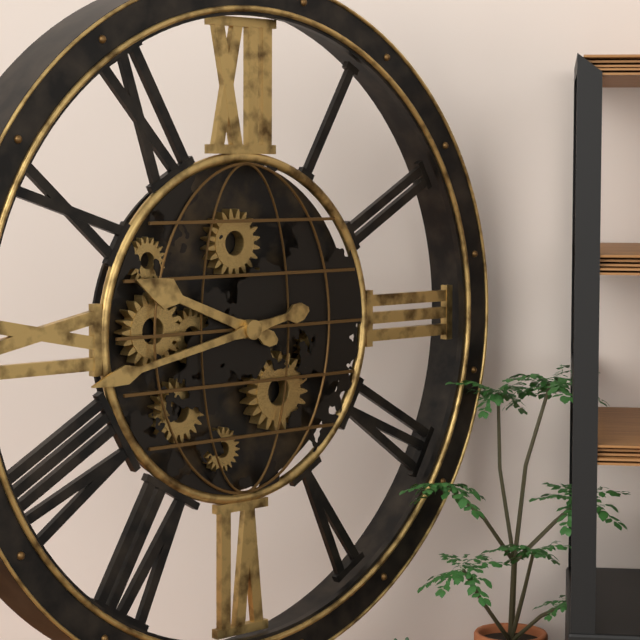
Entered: {"hour": 9, "minute": 43}
